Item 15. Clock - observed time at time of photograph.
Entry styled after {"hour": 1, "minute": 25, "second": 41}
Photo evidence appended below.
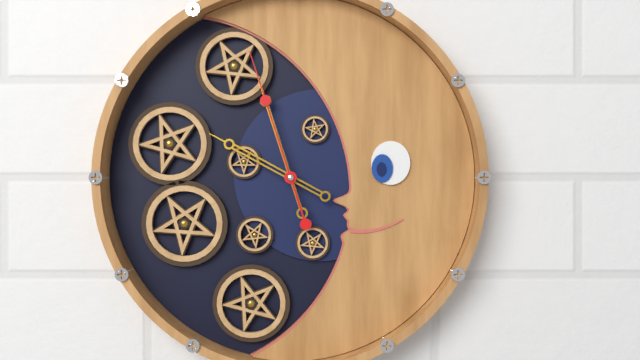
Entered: {"hour": 9, "minute": 57, "second": 57}
